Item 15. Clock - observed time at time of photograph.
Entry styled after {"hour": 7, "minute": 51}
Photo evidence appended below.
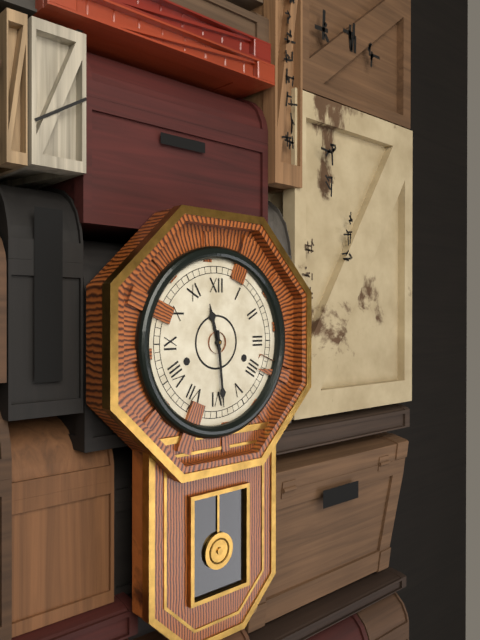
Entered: {"hour": 11, "minute": 29}
